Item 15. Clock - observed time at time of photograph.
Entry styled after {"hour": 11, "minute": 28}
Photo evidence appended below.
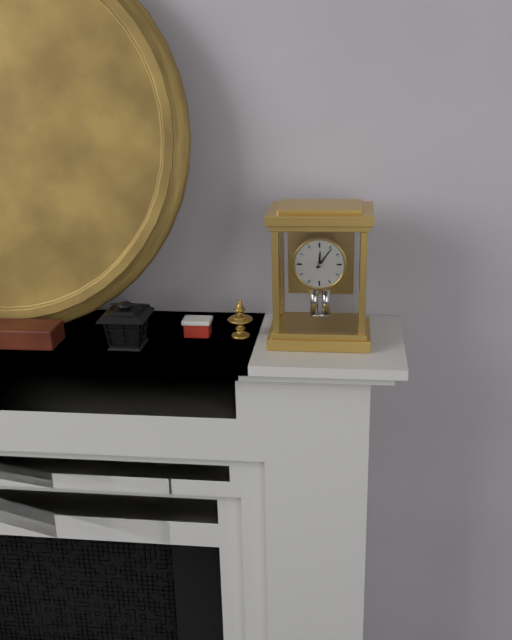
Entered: {"hour": 12, "minute": 6}
